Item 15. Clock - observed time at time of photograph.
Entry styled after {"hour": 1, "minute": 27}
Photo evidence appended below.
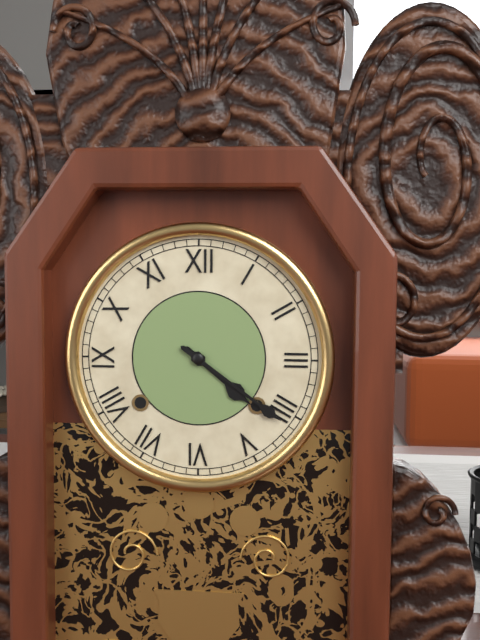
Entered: {"hour": 4, "minute": 21}
